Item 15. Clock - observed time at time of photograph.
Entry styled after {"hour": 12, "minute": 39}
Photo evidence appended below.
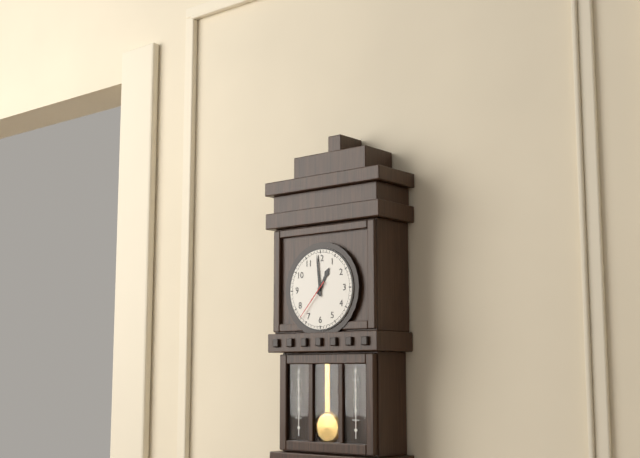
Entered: {"hour": 12, "minute": 59}
